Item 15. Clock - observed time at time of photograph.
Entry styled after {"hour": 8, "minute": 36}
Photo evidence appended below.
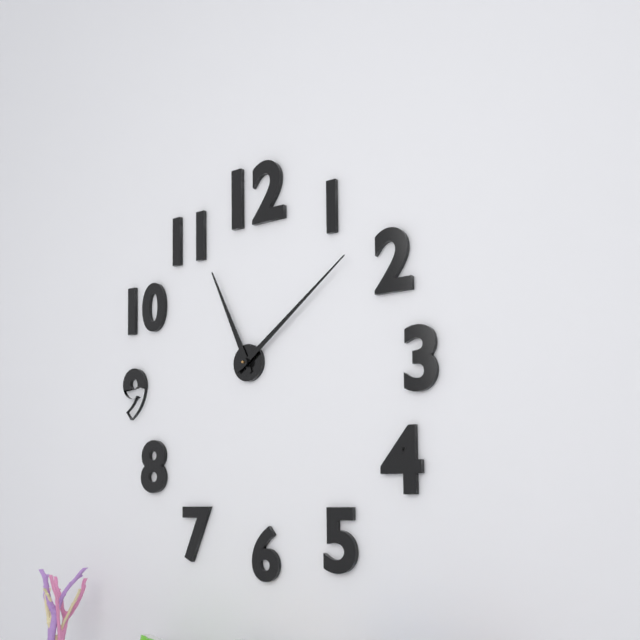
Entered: {"hour": 11, "minute": 9}
